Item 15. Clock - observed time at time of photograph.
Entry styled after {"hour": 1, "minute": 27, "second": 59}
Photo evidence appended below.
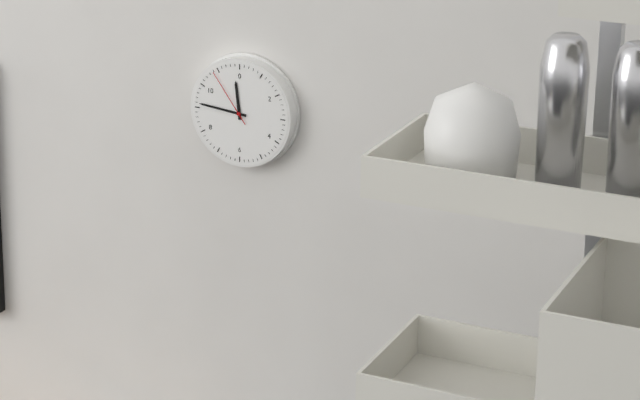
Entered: {"hour": 11, "minute": 46, "second": 54}
